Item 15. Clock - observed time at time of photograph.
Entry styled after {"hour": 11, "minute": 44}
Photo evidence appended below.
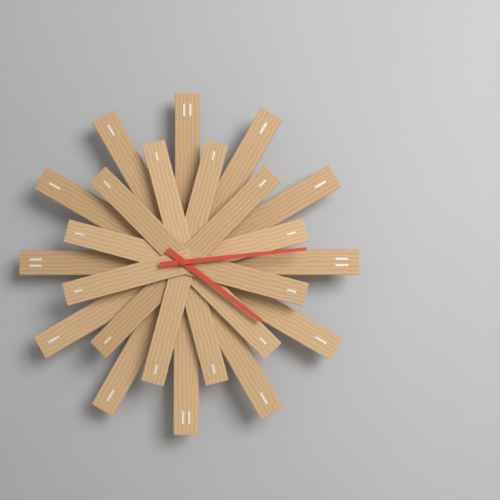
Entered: {"hour": 4, "minute": 14}
